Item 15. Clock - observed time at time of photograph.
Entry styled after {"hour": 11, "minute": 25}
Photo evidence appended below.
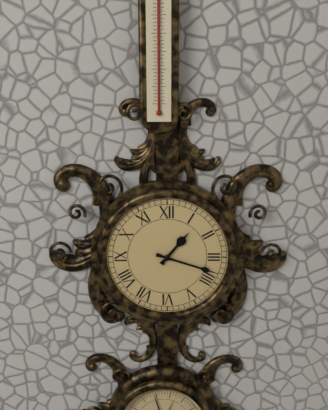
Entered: {"hour": 1, "minute": 18}
